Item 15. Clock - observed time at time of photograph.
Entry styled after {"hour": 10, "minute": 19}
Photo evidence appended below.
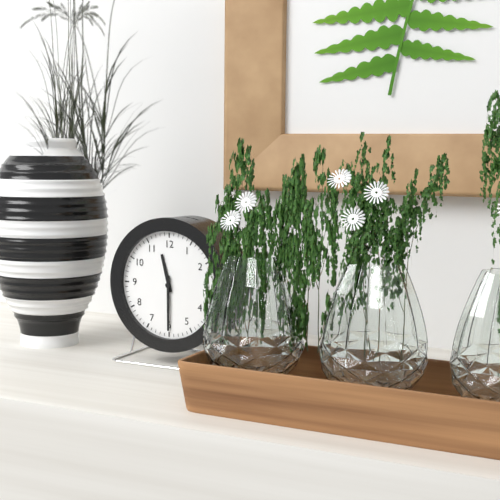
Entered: {"hour": 11, "minute": 30}
